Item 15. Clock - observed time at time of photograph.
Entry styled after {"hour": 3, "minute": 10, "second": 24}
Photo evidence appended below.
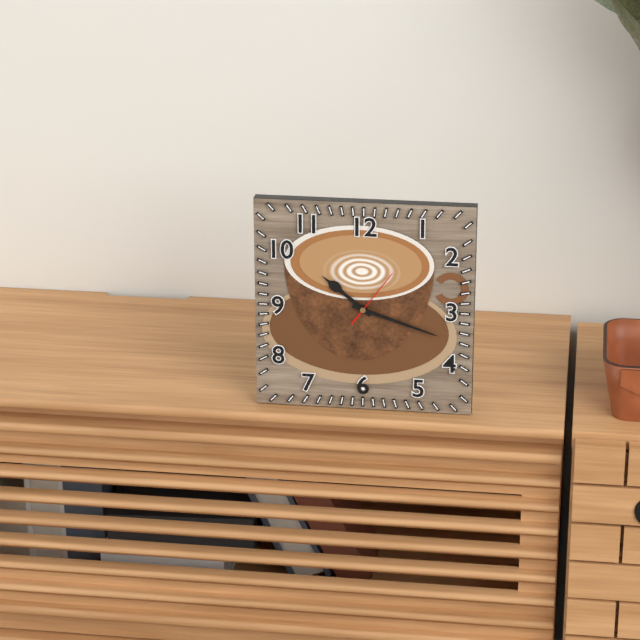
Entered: {"hour": 10, "minute": 18, "second": 6}
